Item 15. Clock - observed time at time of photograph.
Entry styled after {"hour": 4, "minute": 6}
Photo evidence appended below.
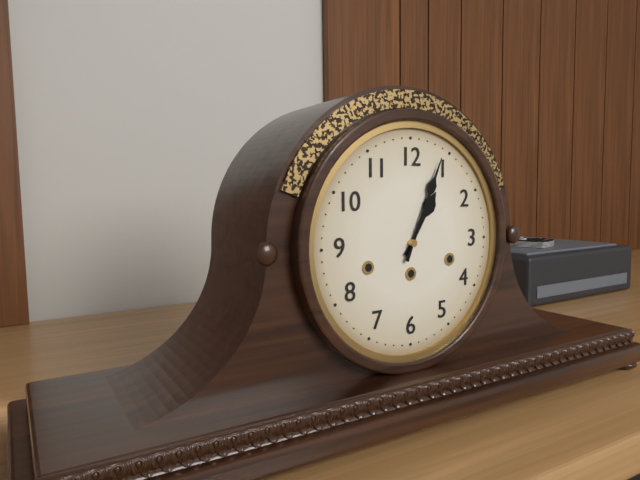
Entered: {"hour": 1, "minute": 4}
